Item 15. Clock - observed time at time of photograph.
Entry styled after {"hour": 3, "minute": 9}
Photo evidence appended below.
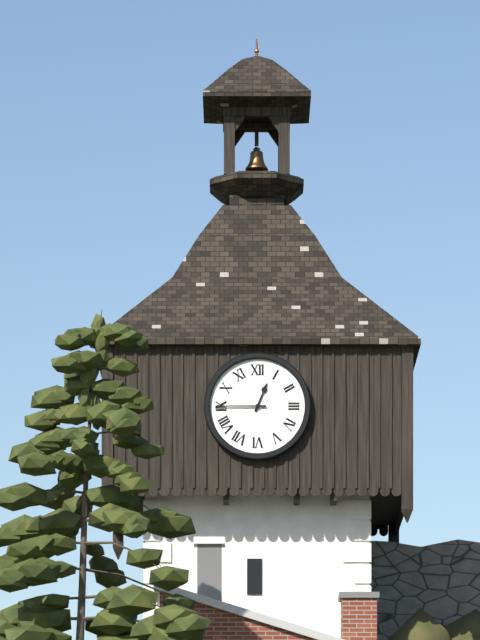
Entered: {"hour": 12, "minute": 45}
